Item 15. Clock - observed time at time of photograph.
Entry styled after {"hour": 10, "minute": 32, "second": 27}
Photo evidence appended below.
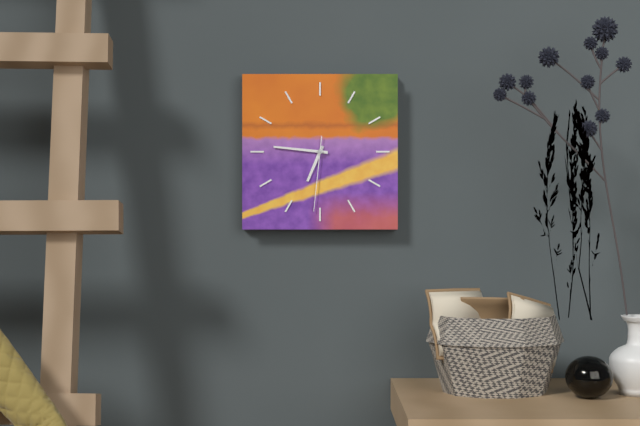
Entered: {"hour": 6, "minute": 46, "second": 31}
